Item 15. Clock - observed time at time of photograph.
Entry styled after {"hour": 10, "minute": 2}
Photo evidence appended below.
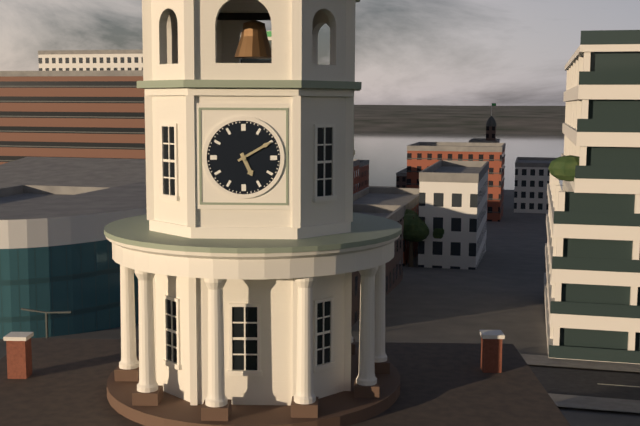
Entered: {"hour": 5, "minute": 10}
